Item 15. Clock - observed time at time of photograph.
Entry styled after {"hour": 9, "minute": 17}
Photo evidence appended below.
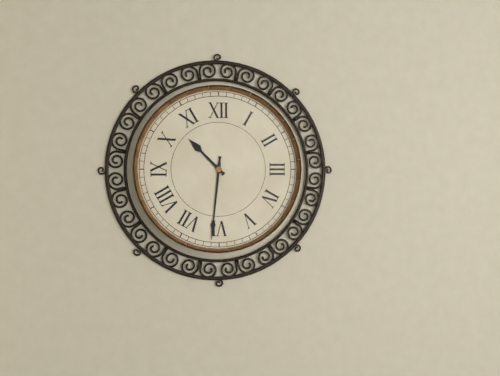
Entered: {"hour": 10, "minute": 31}
